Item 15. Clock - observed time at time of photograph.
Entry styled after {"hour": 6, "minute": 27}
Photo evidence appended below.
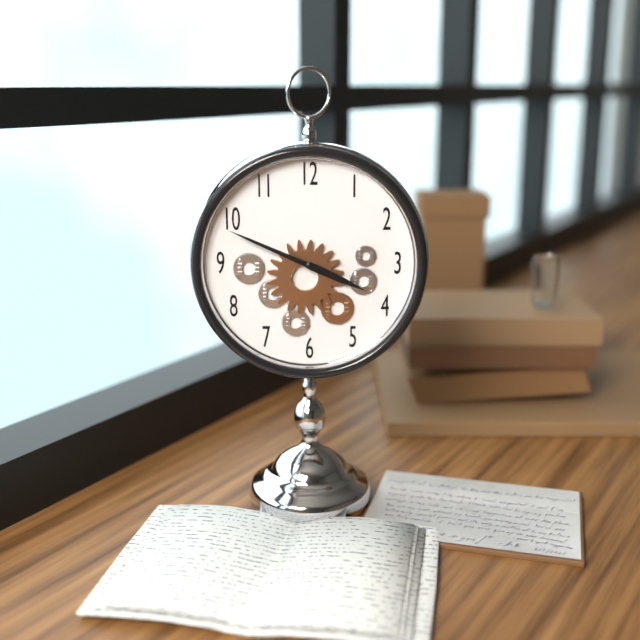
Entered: {"hour": 3, "minute": 49}
